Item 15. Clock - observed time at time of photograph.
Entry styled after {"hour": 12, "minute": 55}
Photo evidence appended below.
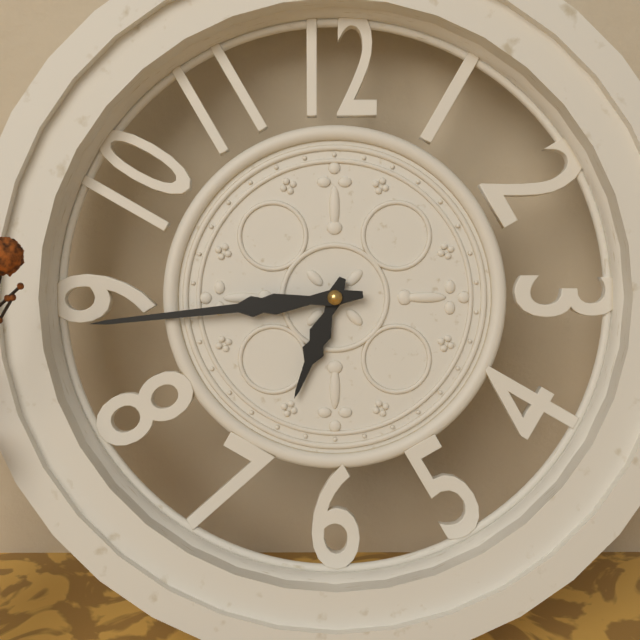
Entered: {"hour": 6, "minute": 44}
